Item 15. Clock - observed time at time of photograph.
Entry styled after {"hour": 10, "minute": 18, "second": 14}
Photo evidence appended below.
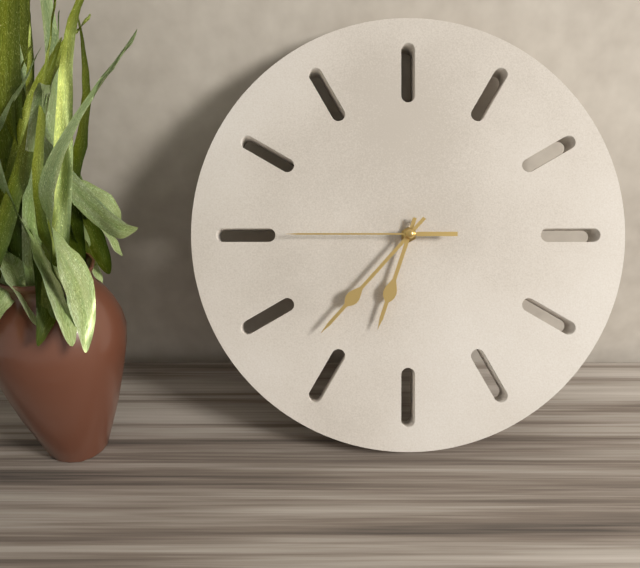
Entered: {"hour": 6, "minute": 37, "second": 45}
